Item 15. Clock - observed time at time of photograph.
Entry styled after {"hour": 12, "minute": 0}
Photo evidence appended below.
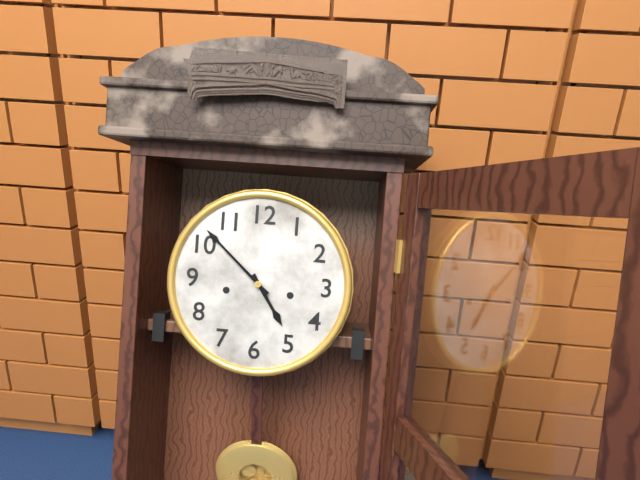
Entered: {"hour": 4, "minute": 52}
